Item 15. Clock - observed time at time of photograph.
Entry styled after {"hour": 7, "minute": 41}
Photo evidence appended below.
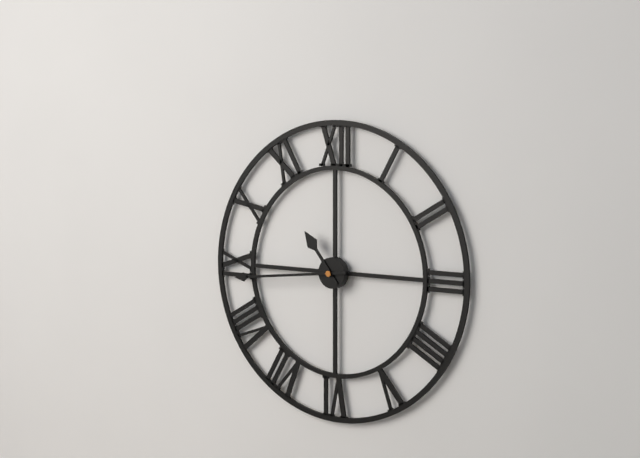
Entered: {"hour": 10, "minute": 44}
